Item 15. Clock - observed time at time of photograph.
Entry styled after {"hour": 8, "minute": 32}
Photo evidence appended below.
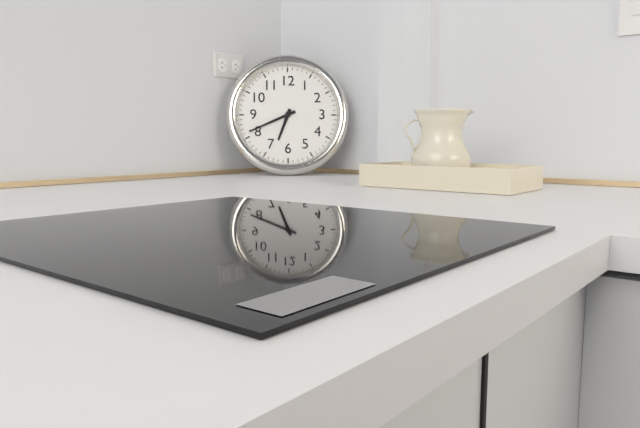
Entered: {"hour": 6, "minute": 41}
